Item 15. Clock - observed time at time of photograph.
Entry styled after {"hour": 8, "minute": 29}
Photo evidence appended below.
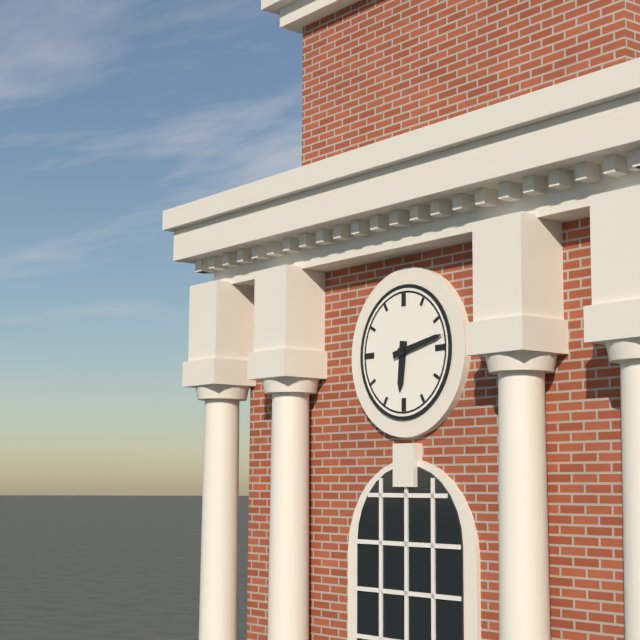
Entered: {"hour": 6, "minute": 13}
